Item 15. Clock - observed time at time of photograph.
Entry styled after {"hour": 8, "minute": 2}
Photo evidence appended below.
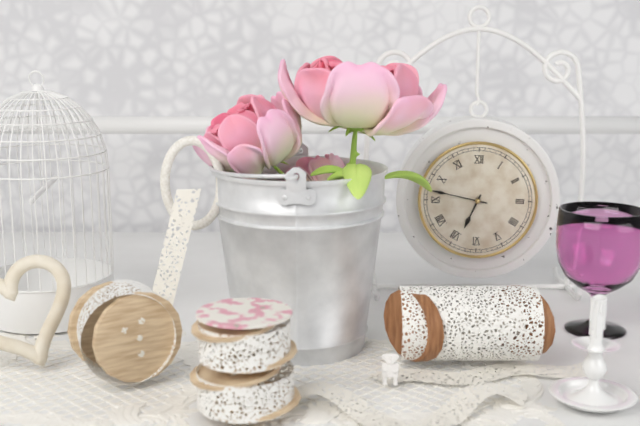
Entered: {"hour": 6, "minute": 47}
